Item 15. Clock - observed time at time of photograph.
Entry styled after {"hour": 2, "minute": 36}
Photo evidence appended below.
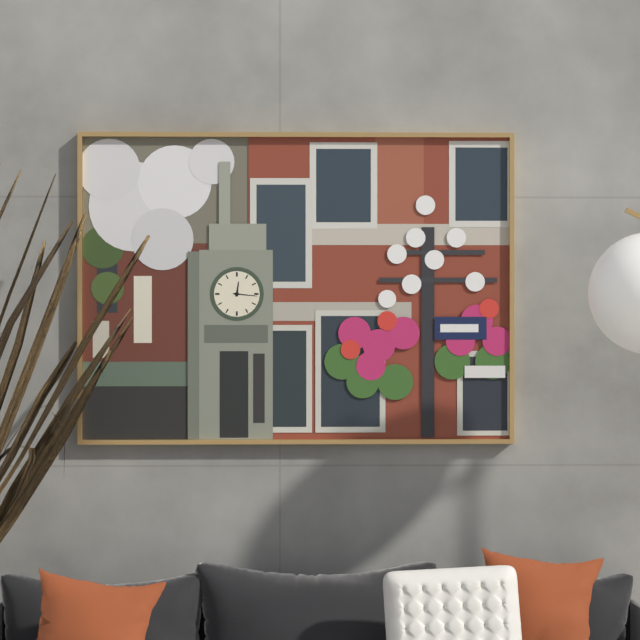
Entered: {"hour": 12, "minute": 16}
